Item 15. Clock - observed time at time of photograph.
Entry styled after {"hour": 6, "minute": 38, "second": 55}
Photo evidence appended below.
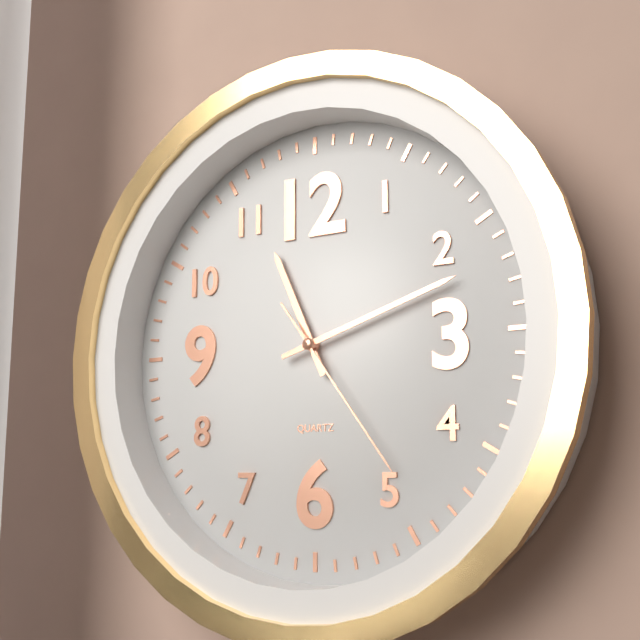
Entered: {"hour": 11, "minute": 12, "second": 24}
